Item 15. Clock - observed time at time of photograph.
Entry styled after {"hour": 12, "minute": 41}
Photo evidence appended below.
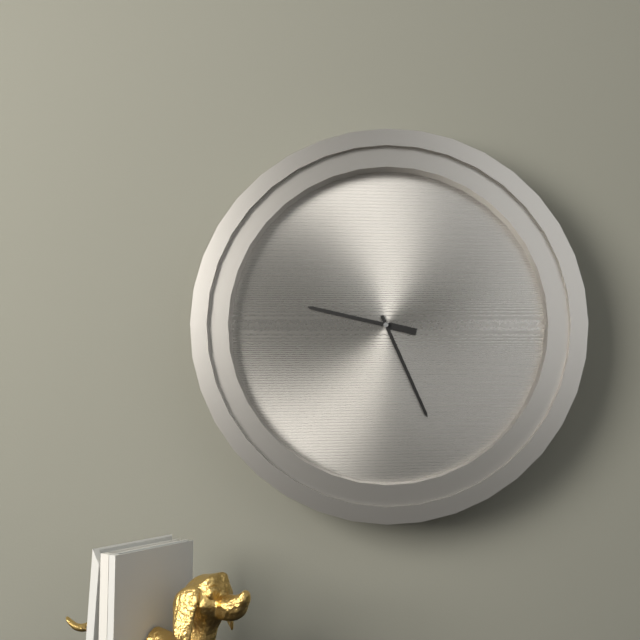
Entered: {"hour": 9, "minute": 26}
